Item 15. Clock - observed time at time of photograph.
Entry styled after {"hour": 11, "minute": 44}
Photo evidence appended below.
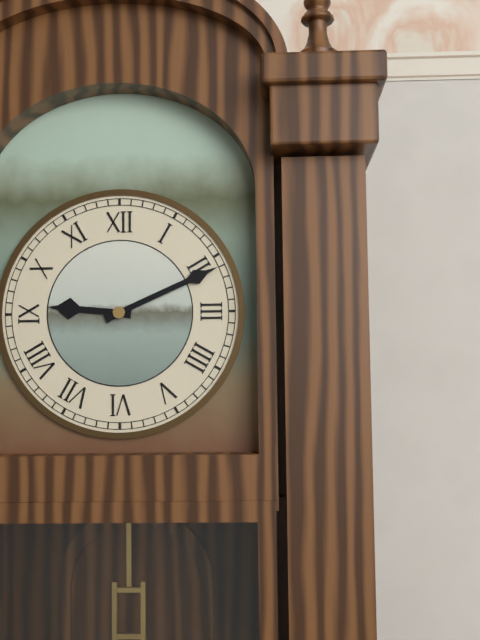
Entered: {"hour": 9, "minute": 11}
